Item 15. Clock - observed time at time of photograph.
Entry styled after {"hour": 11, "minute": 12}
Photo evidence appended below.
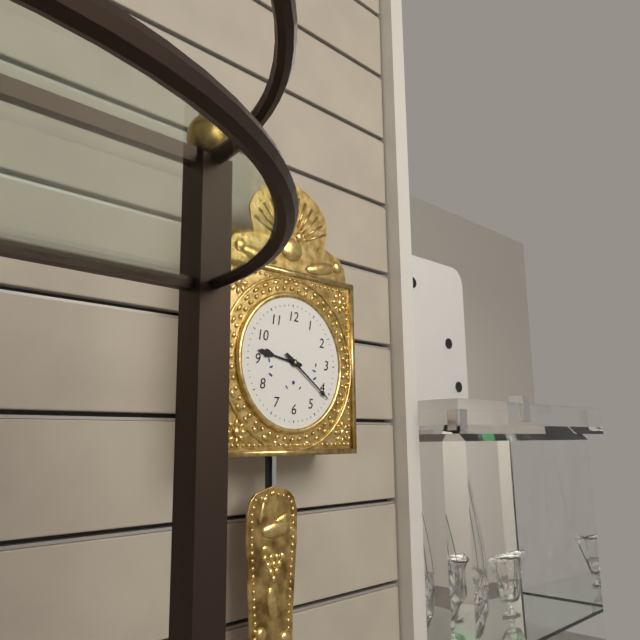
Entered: {"hour": 9, "minute": 21}
